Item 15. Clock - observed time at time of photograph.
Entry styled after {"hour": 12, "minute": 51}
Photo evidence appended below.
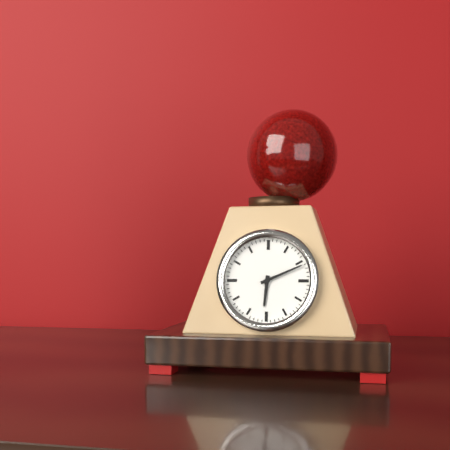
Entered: {"hour": 6, "minute": 11}
